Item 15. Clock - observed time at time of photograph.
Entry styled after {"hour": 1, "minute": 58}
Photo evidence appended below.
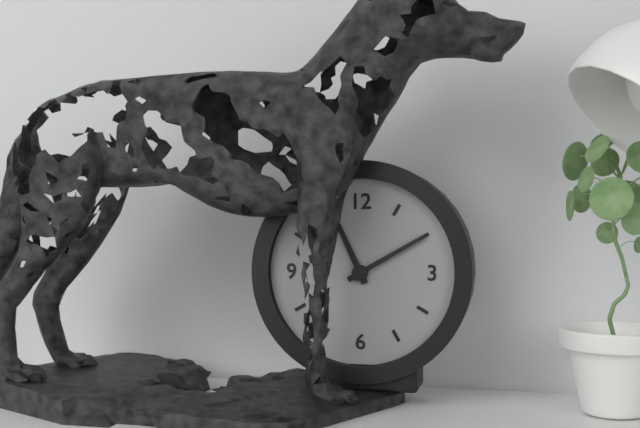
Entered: {"hour": 11, "minute": 10}
